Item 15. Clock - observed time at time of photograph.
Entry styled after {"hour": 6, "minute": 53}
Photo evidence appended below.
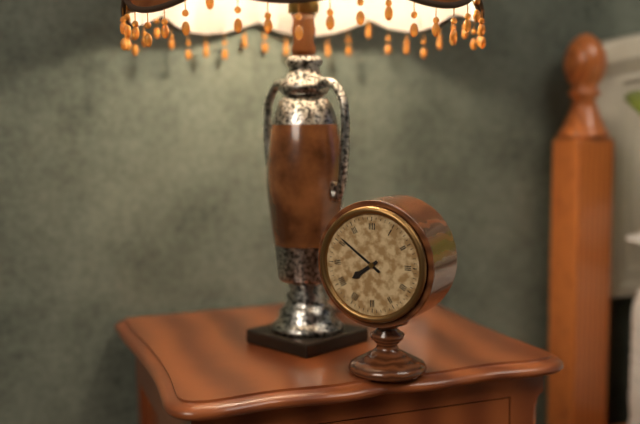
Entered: {"hour": 7, "minute": 51}
